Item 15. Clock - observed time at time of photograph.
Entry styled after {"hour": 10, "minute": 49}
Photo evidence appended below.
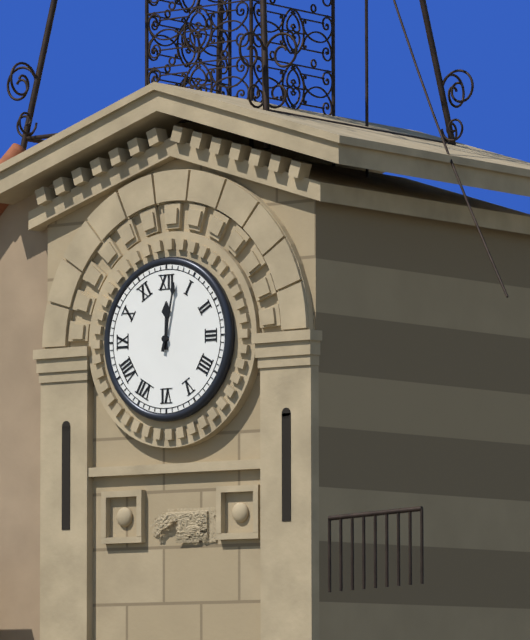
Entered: {"hour": 12, "minute": 2}
